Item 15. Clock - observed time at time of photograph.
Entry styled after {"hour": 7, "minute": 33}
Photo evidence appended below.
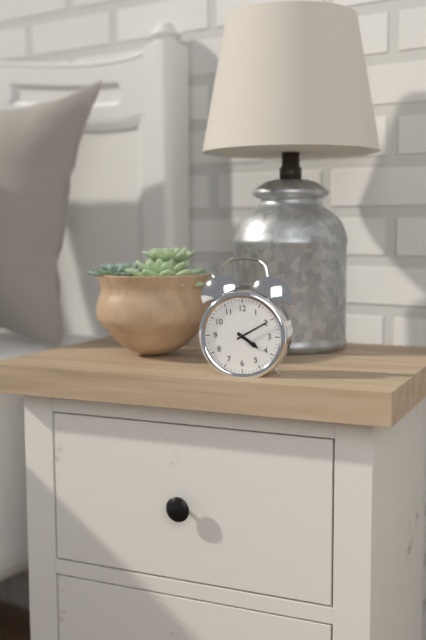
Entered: {"hour": 4, "minute": 10}
